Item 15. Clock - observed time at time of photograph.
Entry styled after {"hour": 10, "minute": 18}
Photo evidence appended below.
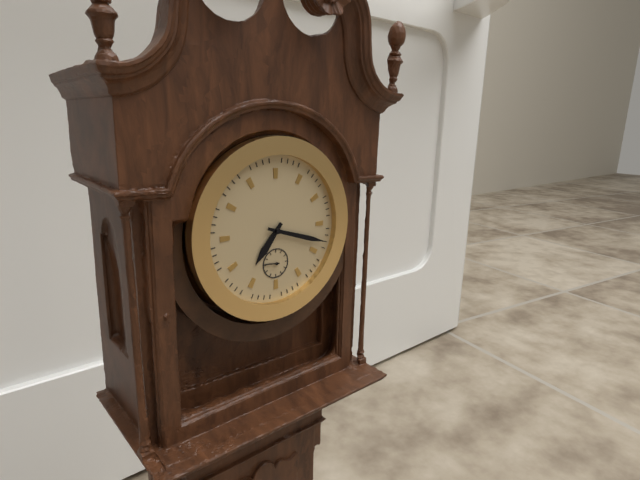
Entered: {"hour": 7, "minute": 18}
